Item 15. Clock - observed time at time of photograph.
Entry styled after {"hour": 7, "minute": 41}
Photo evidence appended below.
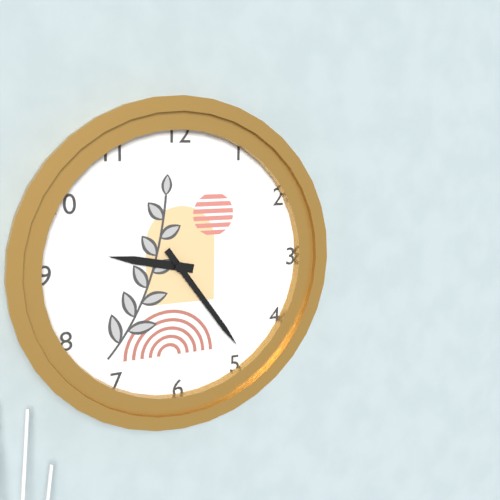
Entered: {"hour": 9, "minute": 24}
